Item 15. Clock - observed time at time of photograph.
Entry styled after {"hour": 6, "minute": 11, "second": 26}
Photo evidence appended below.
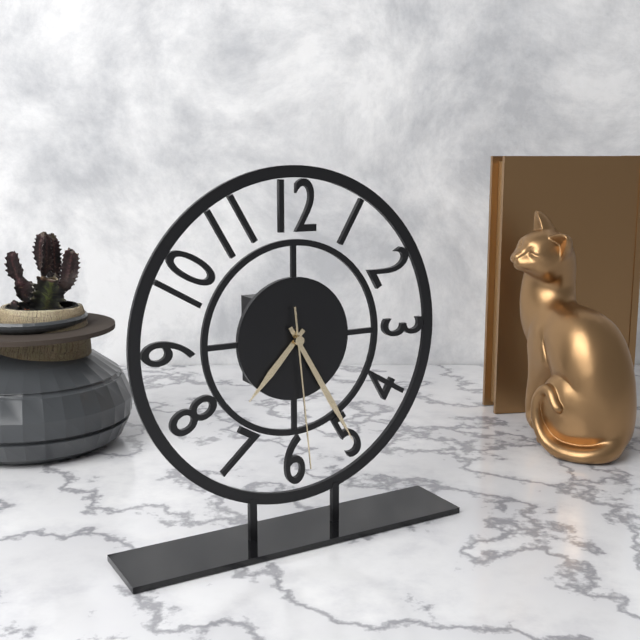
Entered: {"hour": 7, "minute": 25, "second": 29}
